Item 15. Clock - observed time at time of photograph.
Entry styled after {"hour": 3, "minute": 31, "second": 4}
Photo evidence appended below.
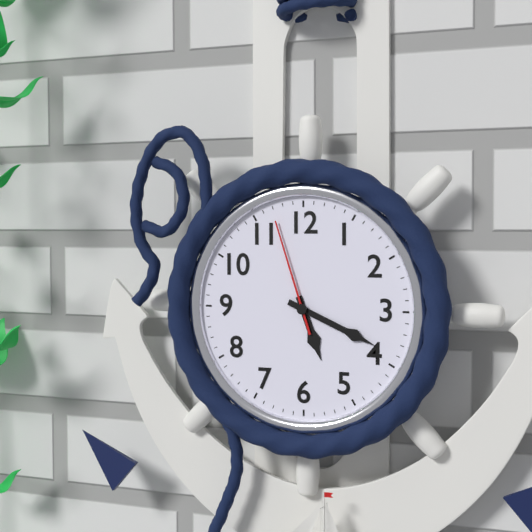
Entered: {"hour": 5, "minute": 19, "second": 57}
